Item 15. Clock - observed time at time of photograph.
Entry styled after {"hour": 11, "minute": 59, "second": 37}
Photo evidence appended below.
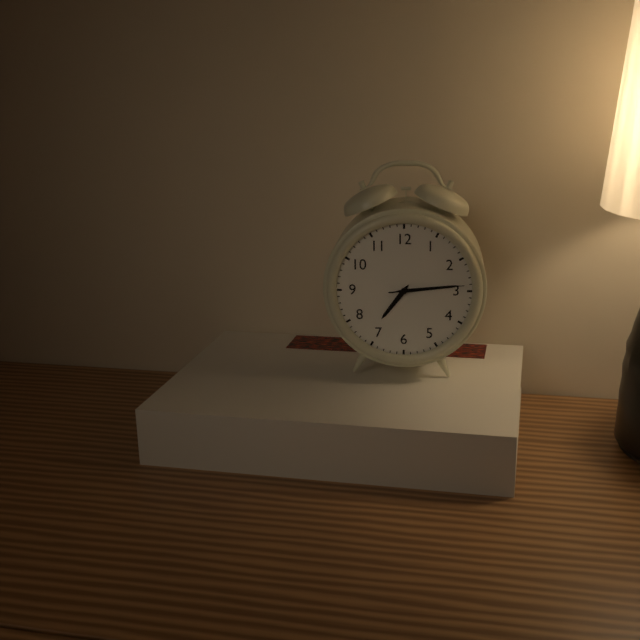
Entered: {"hour": 7, "minute": 14, "second": 14}
